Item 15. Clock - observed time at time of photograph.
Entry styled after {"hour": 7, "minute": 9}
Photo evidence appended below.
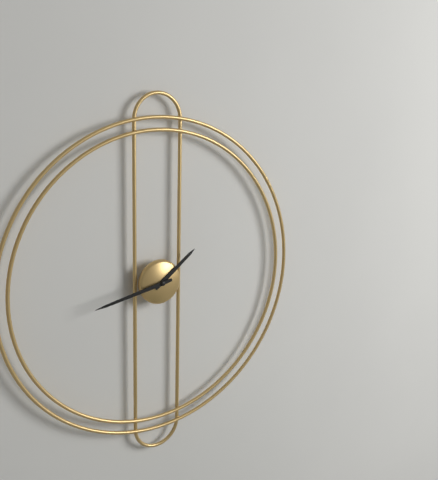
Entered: {"hour": 1, "minute": 43}
